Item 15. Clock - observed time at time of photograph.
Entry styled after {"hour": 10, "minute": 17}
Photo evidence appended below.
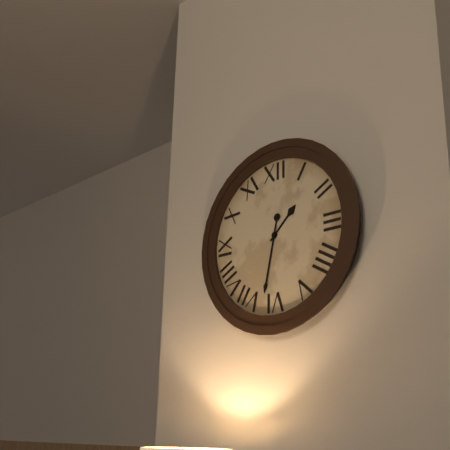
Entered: {"hour": 1, "minute": 32}
